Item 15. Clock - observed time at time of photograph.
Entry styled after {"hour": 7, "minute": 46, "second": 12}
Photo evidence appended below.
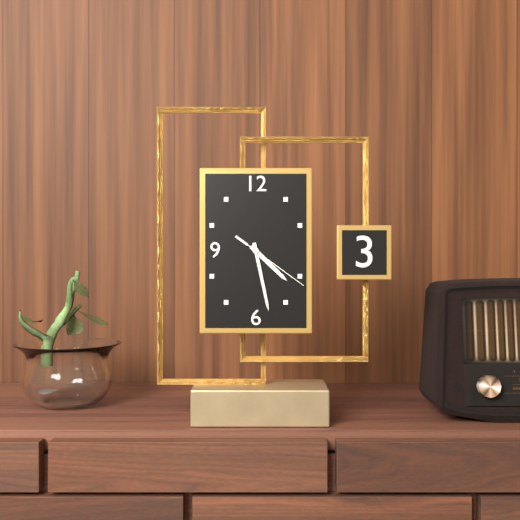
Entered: {"hour": 4, "minute": 28, "second": 21}
